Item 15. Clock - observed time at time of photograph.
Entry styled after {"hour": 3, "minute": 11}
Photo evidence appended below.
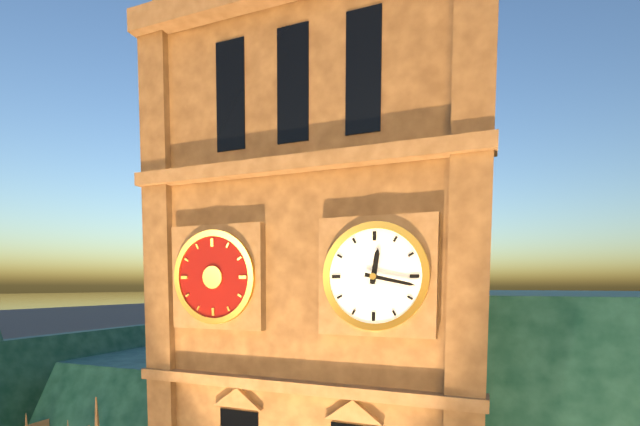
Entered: {"hour": 12, "minute": 17}
